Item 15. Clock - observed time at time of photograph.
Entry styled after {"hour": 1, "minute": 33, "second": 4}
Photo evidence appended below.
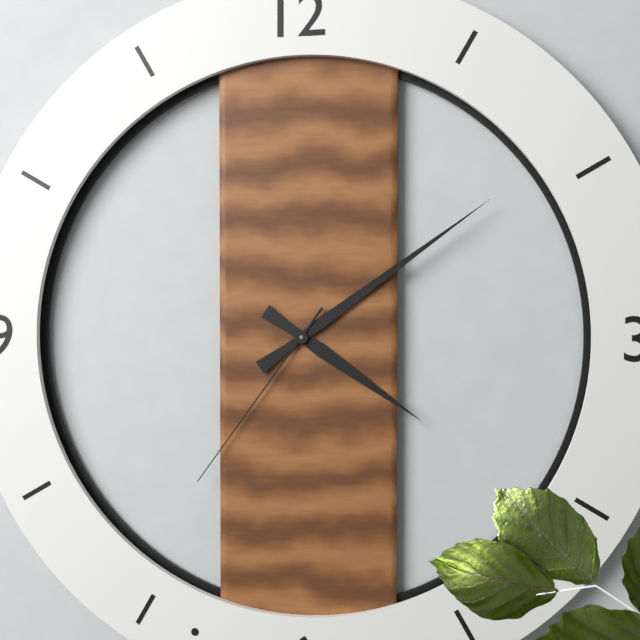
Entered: {"hour": 4, "minute": 9, "second": 36}
